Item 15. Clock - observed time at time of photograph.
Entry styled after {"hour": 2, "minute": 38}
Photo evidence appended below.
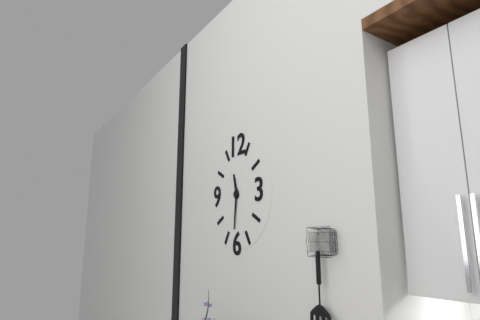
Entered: {"hour": 11, "minute": 31}
